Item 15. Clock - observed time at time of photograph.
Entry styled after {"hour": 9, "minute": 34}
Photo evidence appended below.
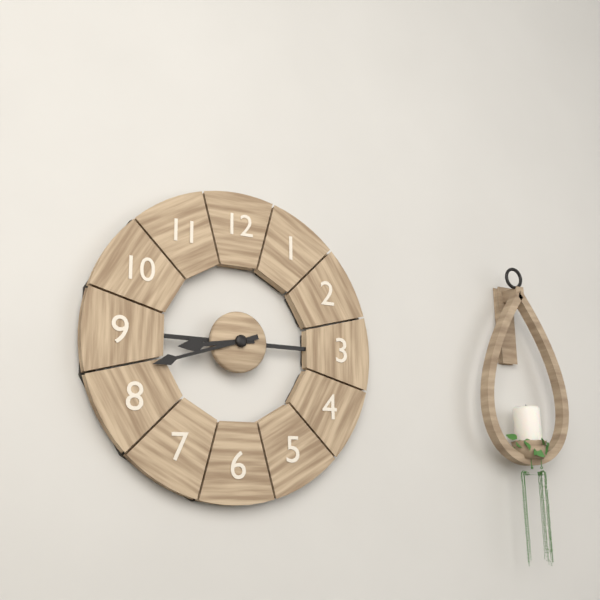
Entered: {"hour": 8, "minute": 42}
